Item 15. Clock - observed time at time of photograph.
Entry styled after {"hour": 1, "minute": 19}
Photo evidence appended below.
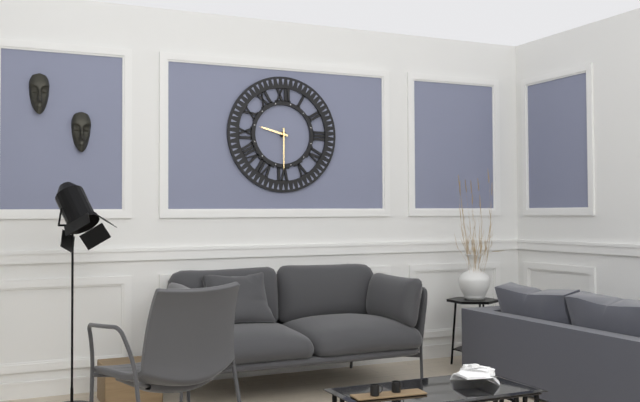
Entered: {"hour": 9, "minute": 30}
